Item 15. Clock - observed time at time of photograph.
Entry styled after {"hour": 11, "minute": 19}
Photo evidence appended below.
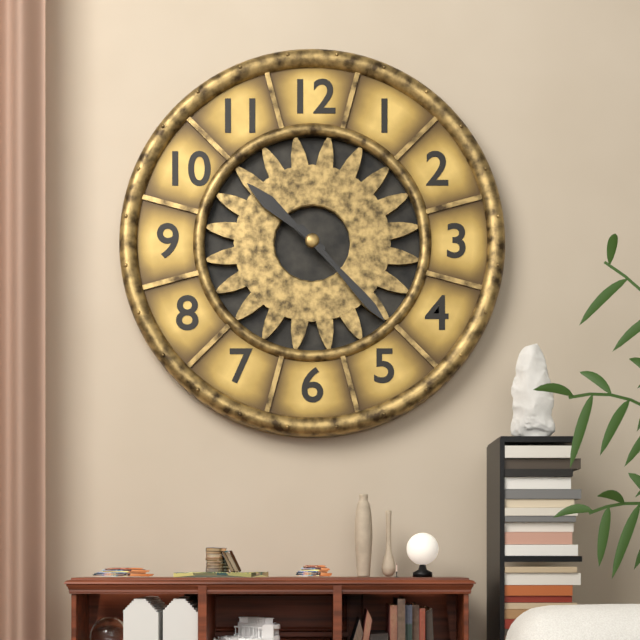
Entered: {"hour": 10, "minute": 23}
